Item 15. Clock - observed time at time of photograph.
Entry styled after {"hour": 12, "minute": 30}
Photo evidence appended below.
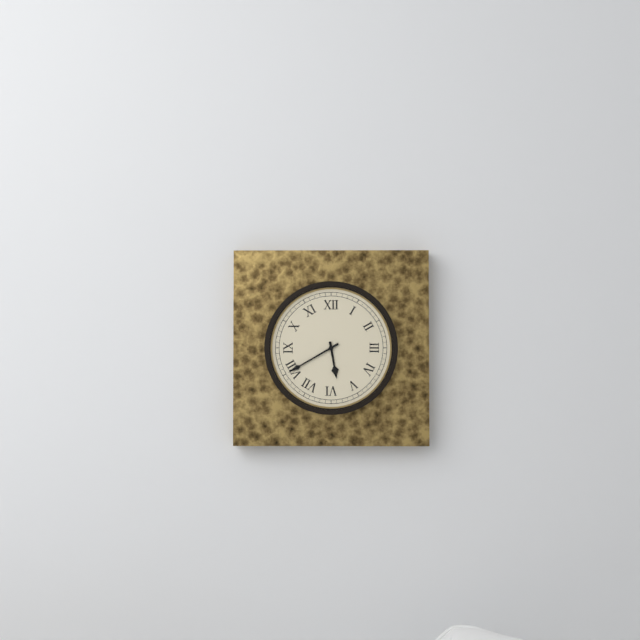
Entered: {"hour": 5, "minute": 40}
